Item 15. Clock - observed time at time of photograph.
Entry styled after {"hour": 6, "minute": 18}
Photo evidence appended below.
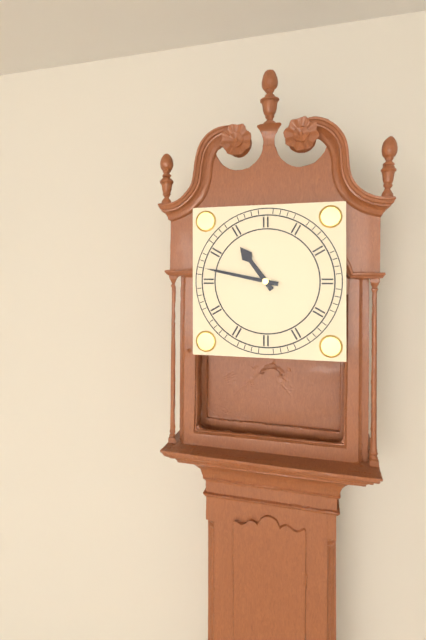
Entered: {"hour": 10, "minute": 47}
